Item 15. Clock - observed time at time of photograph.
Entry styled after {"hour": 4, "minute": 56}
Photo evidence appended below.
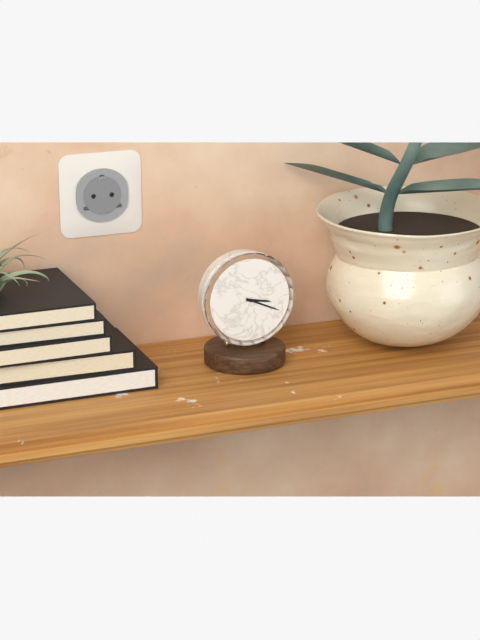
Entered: {"hour": 3, "minute": 19}
